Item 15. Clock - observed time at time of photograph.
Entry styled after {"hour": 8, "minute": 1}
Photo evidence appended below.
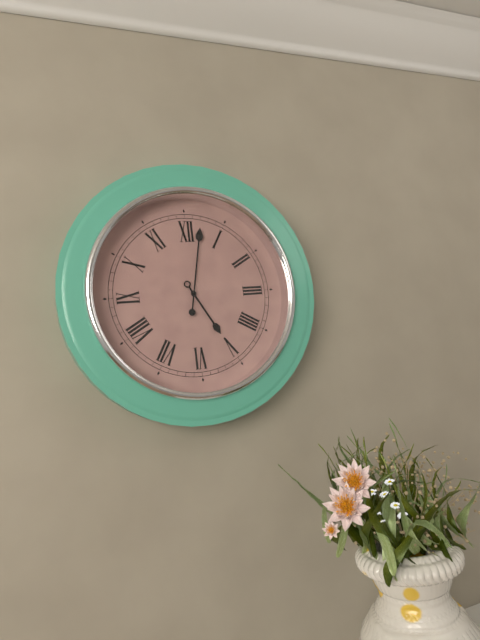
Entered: {"hour": 5, "minute": 2}
